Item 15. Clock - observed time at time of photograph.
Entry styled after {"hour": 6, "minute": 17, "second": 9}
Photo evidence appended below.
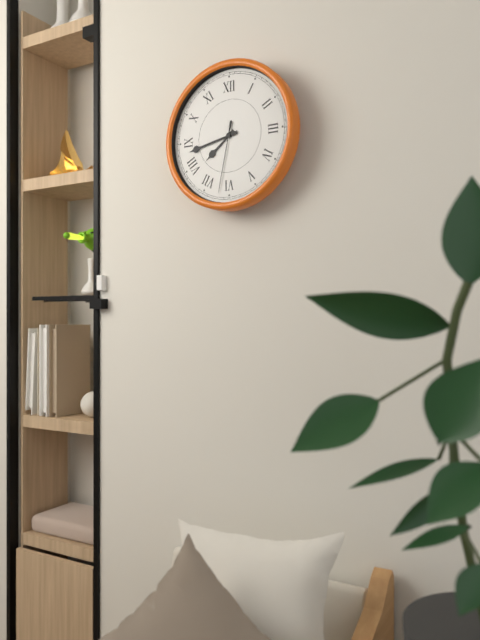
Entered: {"hour": 7, "minute": 43, "second": 32}
